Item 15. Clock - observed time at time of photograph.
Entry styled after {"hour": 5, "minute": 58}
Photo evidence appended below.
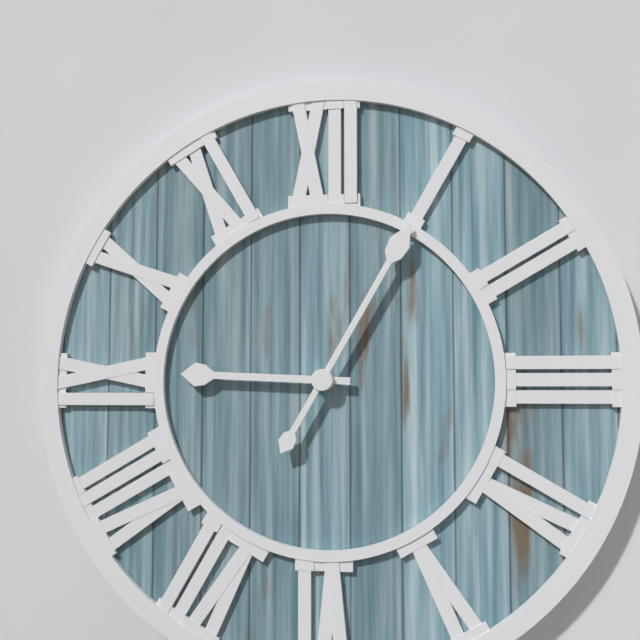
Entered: {"hour": 9, "minute": 5}
